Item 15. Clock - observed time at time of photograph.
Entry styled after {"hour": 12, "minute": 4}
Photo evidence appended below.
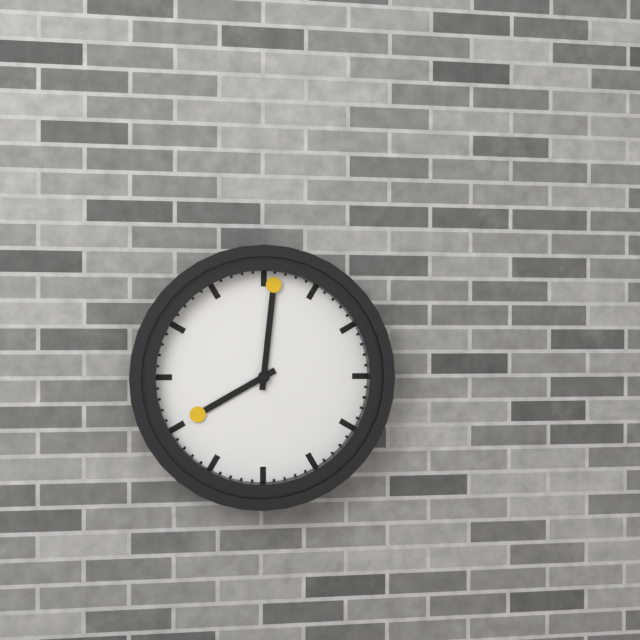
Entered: {"hour": 8, "minute": 1}
